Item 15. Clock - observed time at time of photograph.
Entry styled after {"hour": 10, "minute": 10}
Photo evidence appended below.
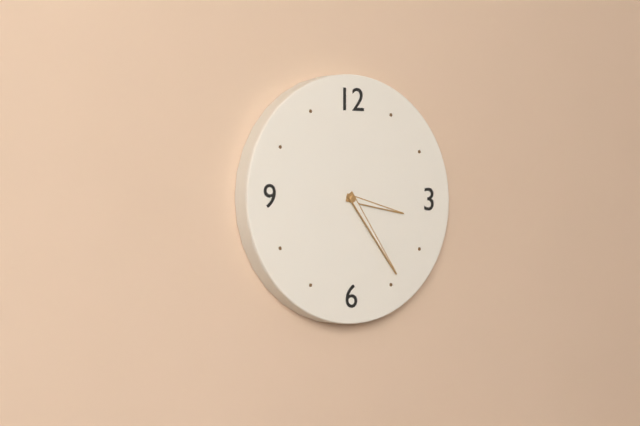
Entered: {"hour": 3, "minute": 24}
